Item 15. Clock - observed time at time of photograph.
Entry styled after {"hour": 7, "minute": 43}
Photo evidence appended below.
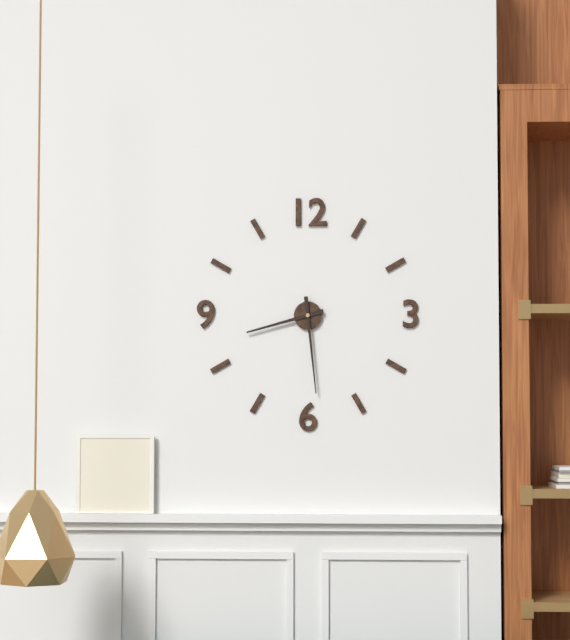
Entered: {"hour": 8, "minute": 29}
